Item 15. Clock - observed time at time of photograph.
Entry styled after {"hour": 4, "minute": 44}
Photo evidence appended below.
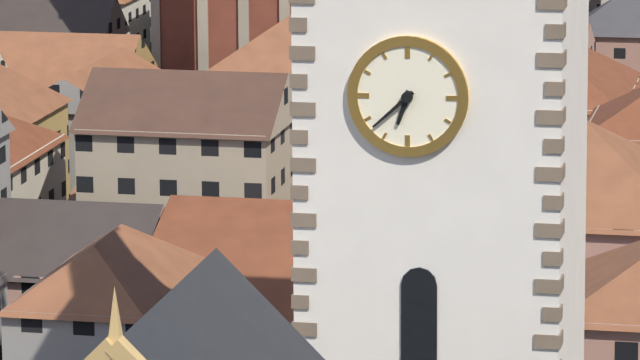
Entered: {"hour": 6, "minute": 38}
